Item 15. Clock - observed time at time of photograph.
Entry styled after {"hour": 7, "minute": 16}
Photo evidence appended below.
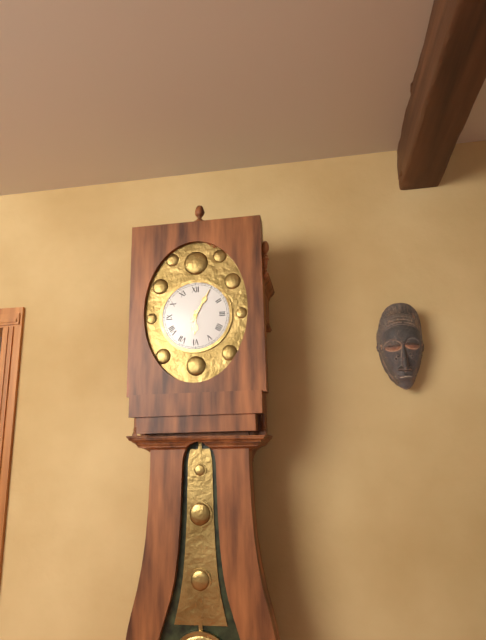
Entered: {"hour": 6, "minute": 5}
